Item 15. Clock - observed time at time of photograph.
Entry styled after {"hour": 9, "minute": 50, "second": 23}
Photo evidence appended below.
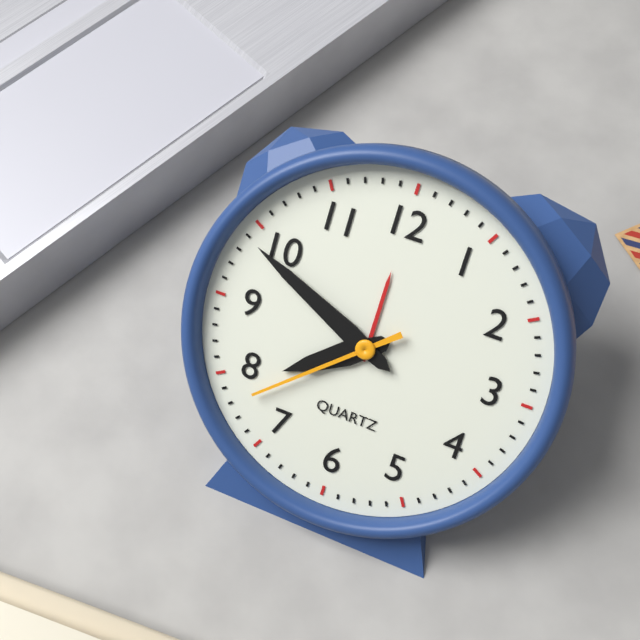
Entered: {"hour": 7, "minute": 49, "second": 38}
